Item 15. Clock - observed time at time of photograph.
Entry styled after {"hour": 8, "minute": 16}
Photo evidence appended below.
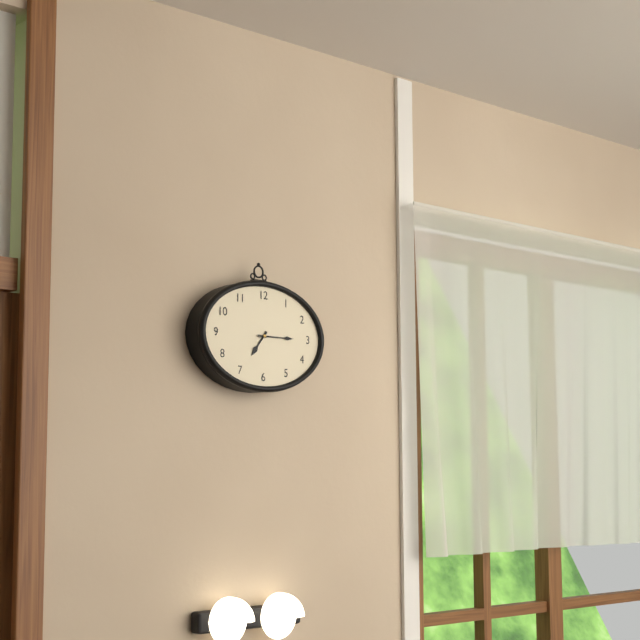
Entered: {"hour": 7, "minute": 15}
